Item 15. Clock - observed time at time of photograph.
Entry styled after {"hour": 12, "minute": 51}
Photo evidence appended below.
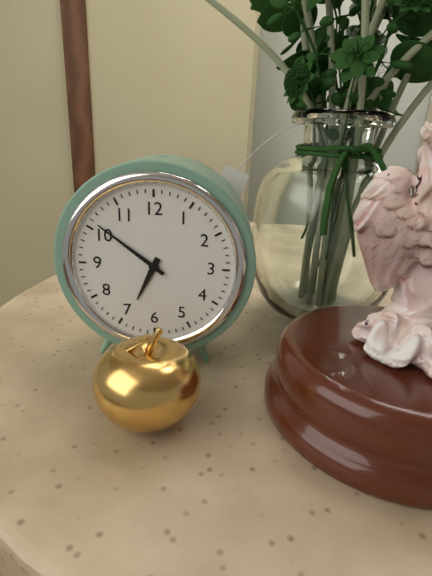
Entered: {"hour": 6, "minute": 51}
